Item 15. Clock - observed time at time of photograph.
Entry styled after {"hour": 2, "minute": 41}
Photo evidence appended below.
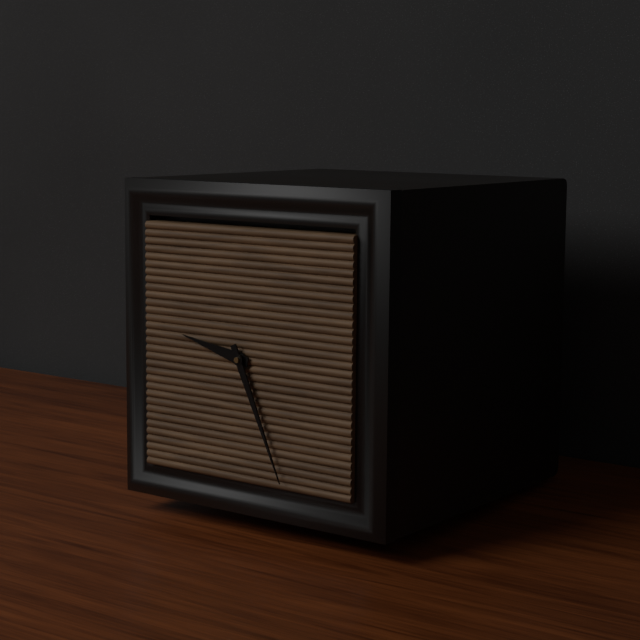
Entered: {"hour": 9, "minute": 26}
